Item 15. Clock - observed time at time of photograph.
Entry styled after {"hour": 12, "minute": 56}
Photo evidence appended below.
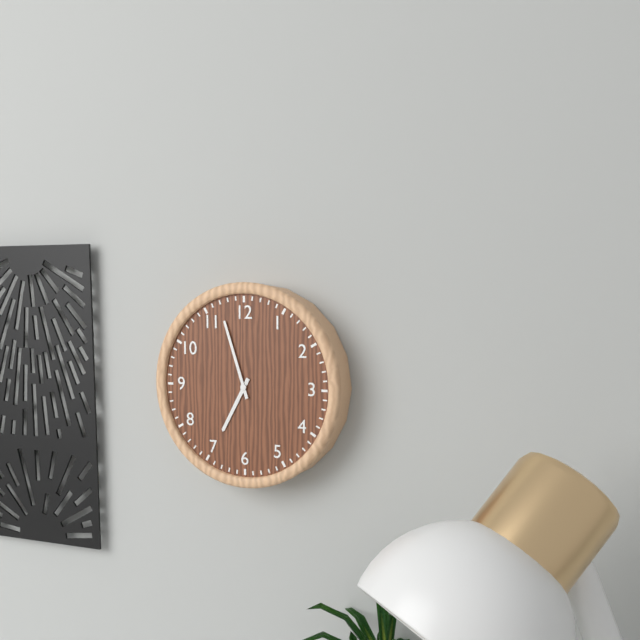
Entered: {"hour": 6, "minute": 57}
